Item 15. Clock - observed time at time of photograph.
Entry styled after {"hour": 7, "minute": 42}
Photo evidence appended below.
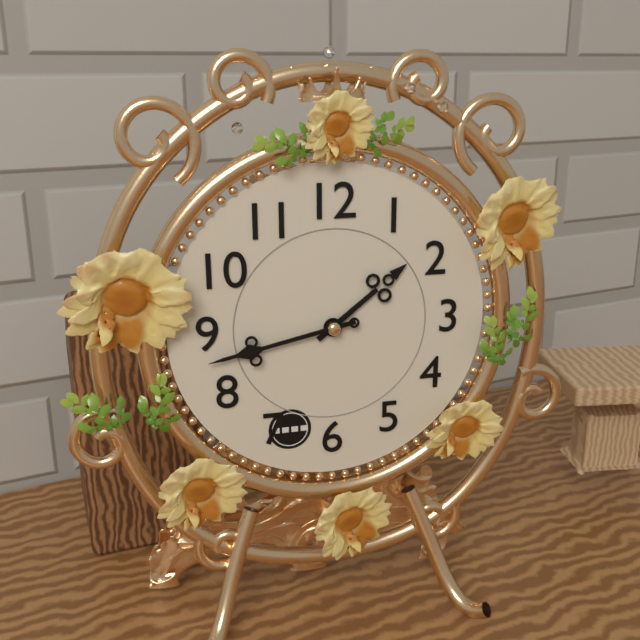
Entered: {"hour": 1, "minute": 43}
